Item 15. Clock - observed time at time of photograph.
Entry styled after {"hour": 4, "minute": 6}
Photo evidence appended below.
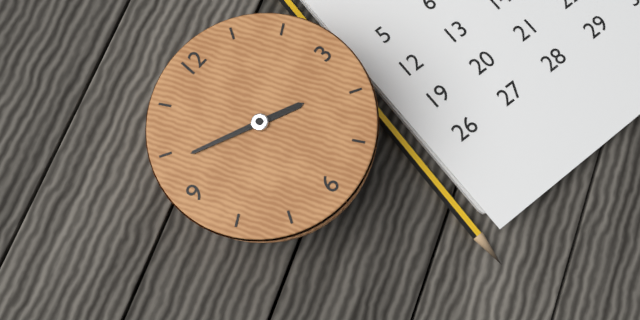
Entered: {"hour": 3, "minute": 49}
